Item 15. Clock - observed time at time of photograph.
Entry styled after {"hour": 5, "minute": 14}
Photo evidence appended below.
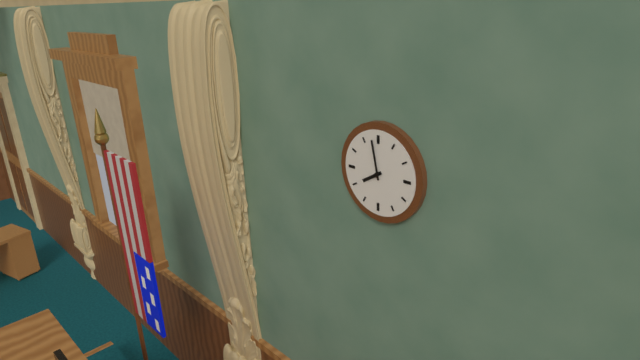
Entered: {"hour": 7, "minute": 58}
